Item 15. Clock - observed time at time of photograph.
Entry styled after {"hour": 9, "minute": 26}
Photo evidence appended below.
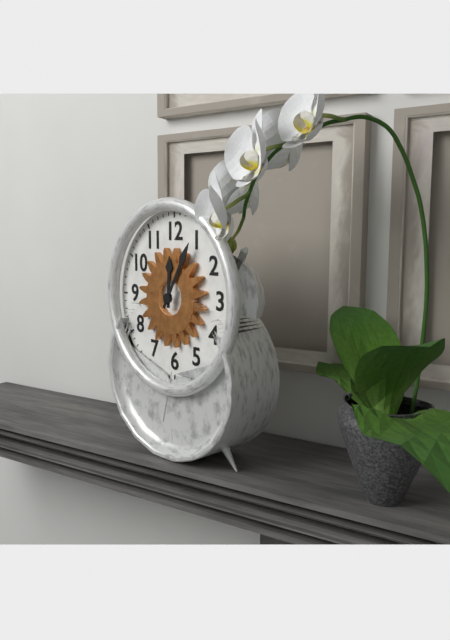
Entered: {"hour": 12, "minute": 5}
